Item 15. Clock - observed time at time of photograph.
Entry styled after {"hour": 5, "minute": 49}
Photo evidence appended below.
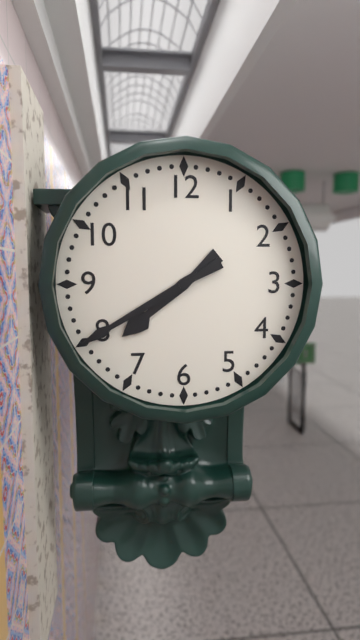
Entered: {"hour": 7, "minute": 40}
